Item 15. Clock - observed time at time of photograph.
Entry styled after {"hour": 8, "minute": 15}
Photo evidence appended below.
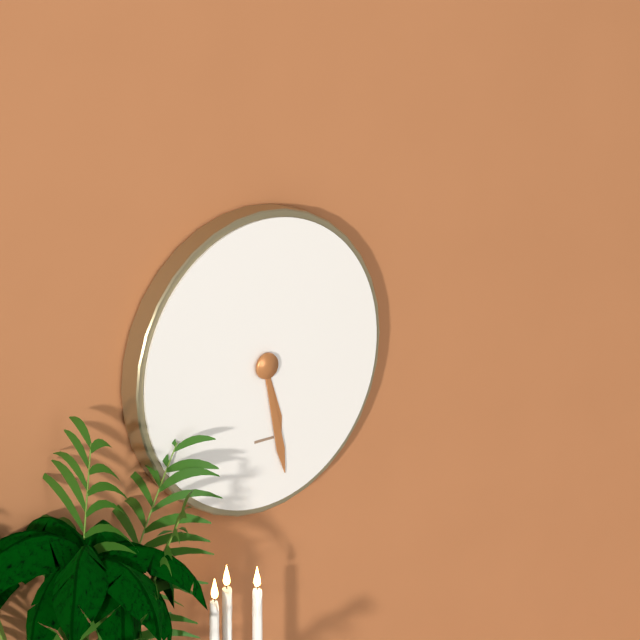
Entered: {"hour": 5, "minute": 28}
